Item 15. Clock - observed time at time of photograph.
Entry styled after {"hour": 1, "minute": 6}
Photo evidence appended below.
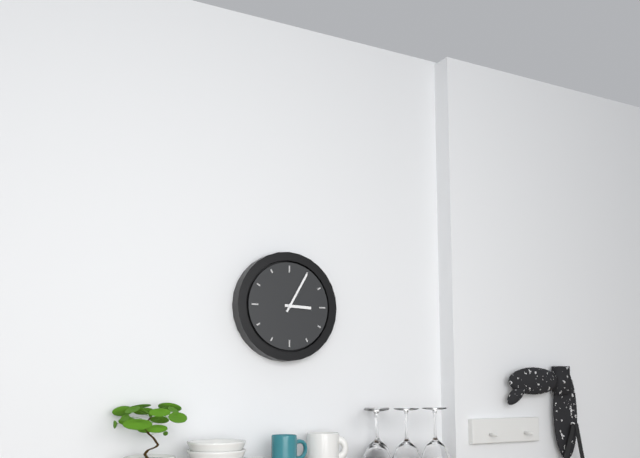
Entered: {"hour": 3, "minute": 5}
